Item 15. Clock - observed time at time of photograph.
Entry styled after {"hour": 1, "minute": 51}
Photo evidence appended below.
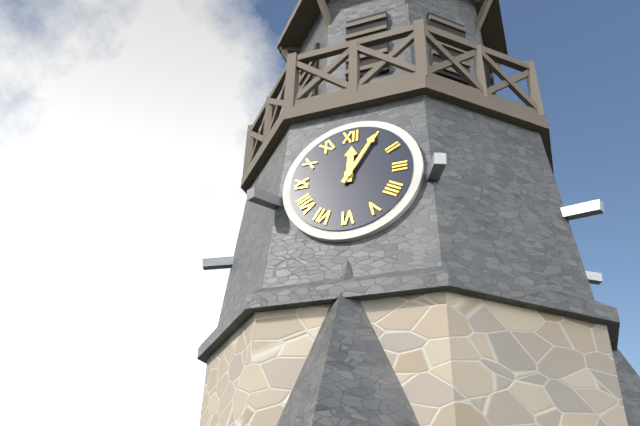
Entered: {"hour": 12, "minute": 5}
